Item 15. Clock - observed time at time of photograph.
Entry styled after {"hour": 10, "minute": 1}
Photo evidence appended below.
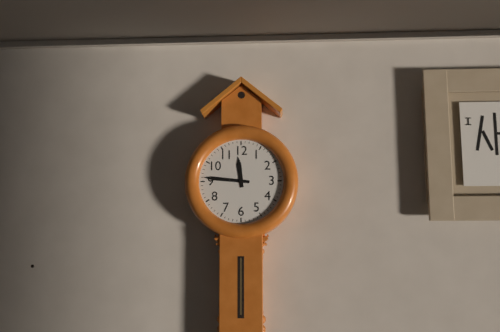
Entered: {"hour": 11, "minute": 46}
